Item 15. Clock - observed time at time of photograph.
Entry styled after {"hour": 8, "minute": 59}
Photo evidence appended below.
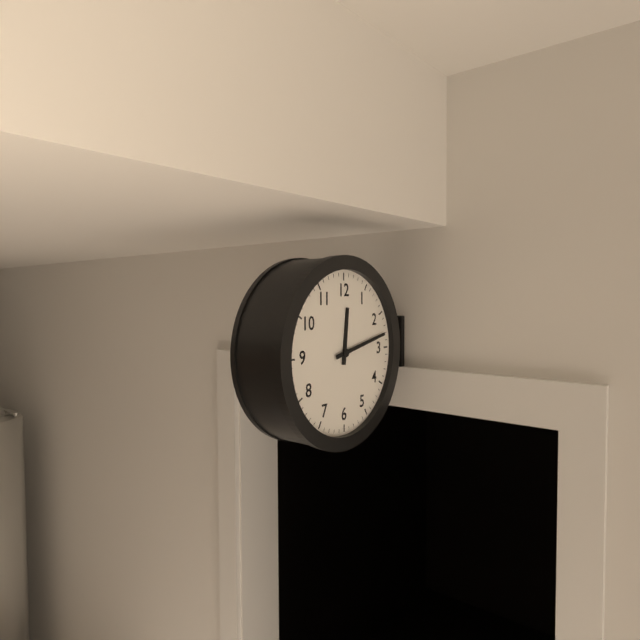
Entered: {"hour": 12, "minute": 13}
